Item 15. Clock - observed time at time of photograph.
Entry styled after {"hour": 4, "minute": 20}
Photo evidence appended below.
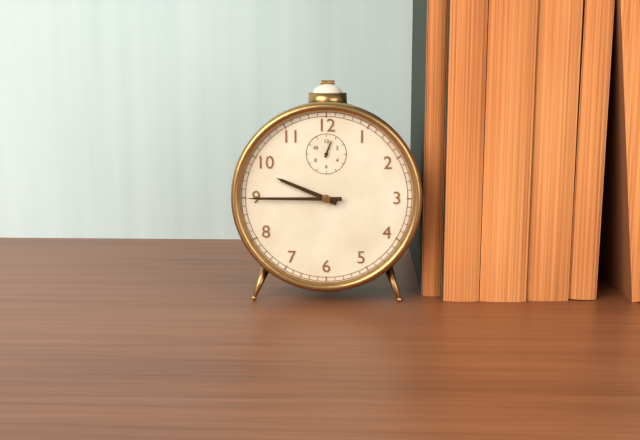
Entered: {"hour": 9, "minute": 45}
